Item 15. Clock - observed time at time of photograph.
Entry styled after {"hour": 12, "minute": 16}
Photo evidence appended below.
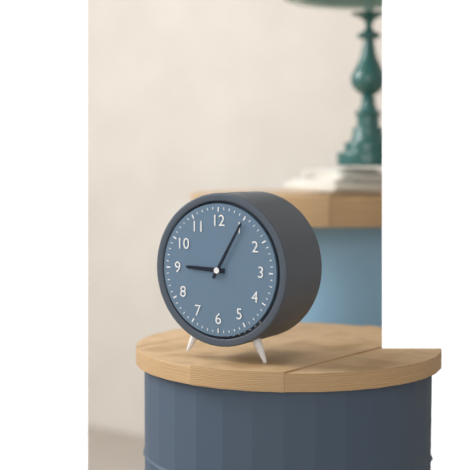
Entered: {"hour": 9, "minute": 5}
